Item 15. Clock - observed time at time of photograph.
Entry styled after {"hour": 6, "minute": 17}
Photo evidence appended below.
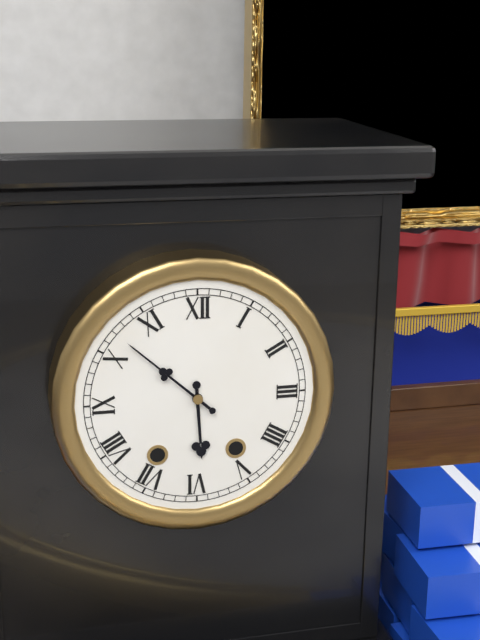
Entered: {"hour": 5, "minute": 52}
